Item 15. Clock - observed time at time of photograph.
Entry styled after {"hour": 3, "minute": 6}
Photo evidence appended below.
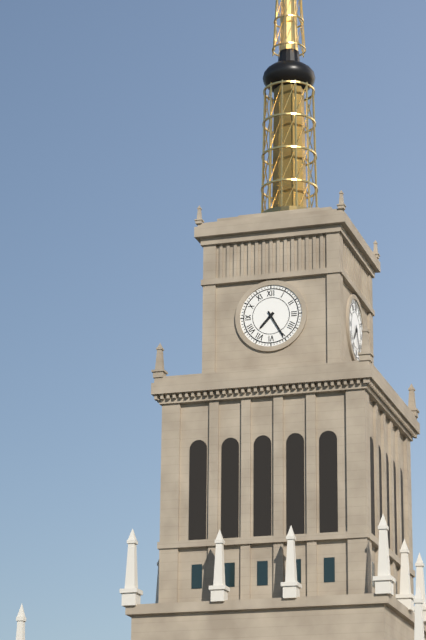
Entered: {"hour": 7, "minute": 25}
